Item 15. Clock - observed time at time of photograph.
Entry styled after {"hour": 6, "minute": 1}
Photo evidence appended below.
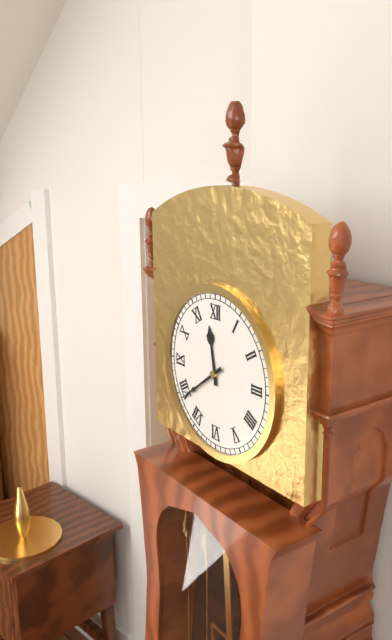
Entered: {"hour": 11, "minute": 39}
